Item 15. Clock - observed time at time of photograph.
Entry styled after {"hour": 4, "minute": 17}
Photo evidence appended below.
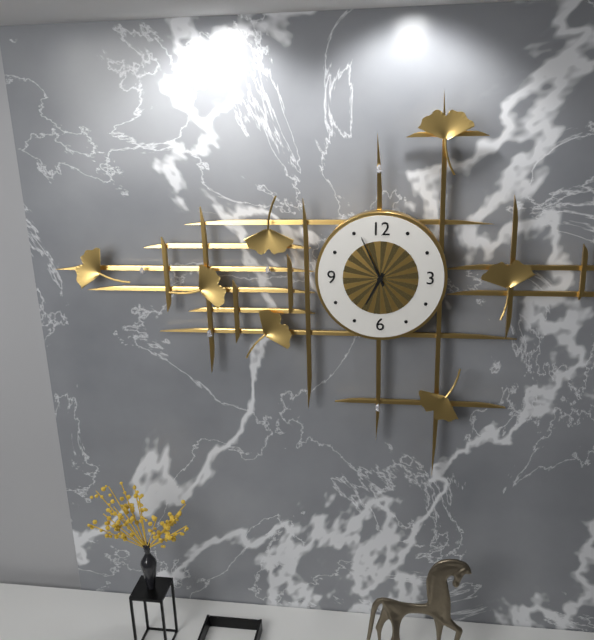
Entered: {"hour": 6, "minute": 56}
